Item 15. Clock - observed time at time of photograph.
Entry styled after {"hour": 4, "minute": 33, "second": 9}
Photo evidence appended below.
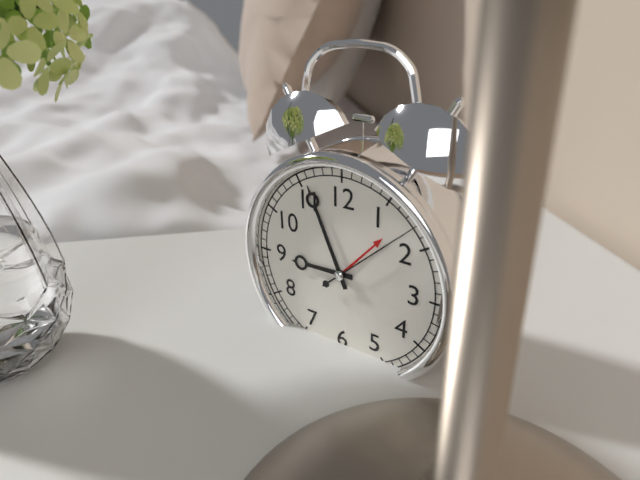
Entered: {"hour": 8, "minute": 56, "second": 8}
